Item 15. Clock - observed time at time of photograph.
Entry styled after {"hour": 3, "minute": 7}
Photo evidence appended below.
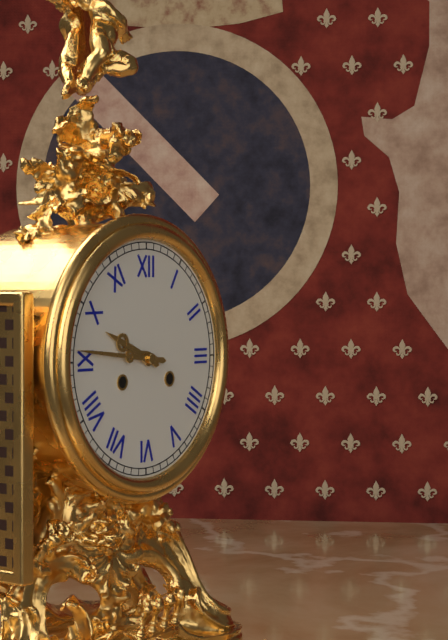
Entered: {"hour": 9, "minute": 46}
